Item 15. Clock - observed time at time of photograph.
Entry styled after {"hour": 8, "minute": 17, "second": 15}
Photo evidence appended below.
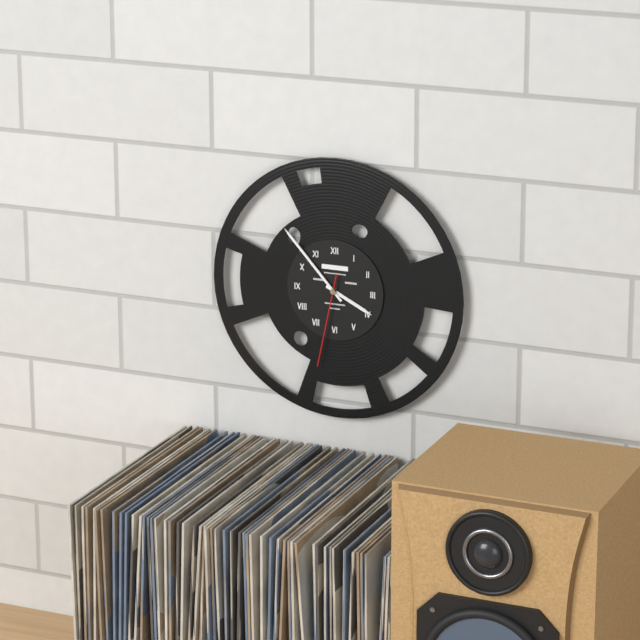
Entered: {"hour": 3, "minute": 53, "second": 32}
